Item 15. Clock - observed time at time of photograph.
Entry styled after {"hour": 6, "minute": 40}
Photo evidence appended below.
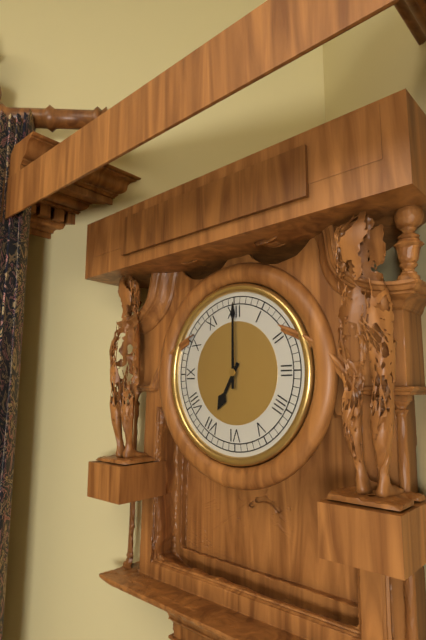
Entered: {"hour": 7, "minute": 0}
